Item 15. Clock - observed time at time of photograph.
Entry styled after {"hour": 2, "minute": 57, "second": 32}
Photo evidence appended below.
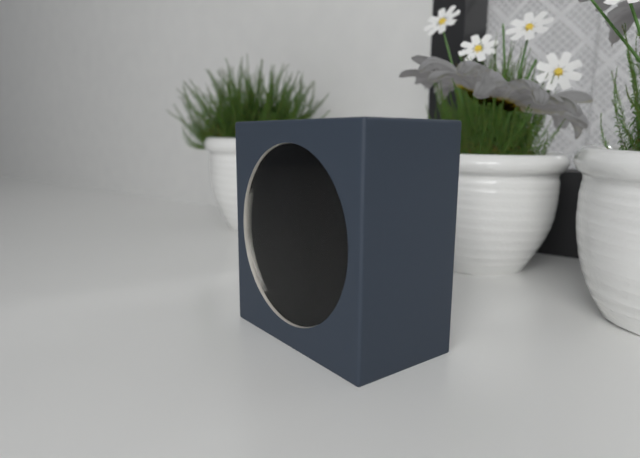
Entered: {"hour": 3, "minute": 25, "second": 0}
